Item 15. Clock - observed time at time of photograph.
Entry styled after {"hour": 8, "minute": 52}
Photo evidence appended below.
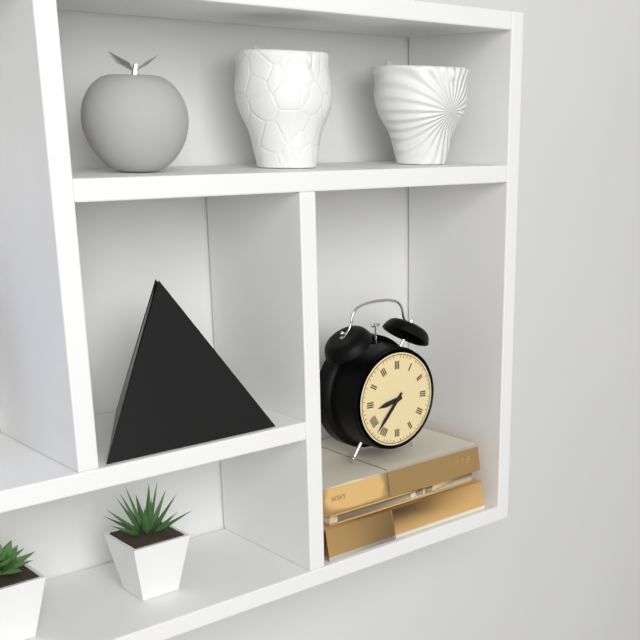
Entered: {"hour": 8, "minute": 37}
